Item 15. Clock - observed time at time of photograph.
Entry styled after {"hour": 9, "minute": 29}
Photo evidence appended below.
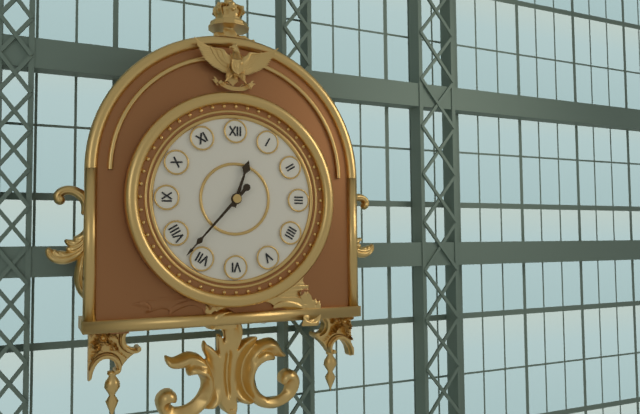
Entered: {"hour": 12, "minute": 37}
